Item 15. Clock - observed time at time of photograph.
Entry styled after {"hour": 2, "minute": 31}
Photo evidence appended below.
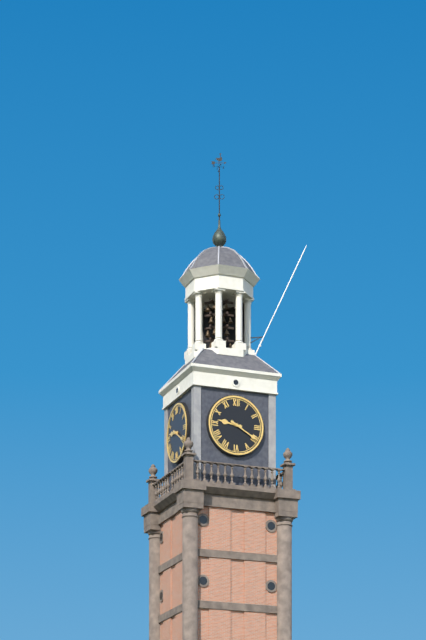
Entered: {"hour": 9, "minute": 20}
